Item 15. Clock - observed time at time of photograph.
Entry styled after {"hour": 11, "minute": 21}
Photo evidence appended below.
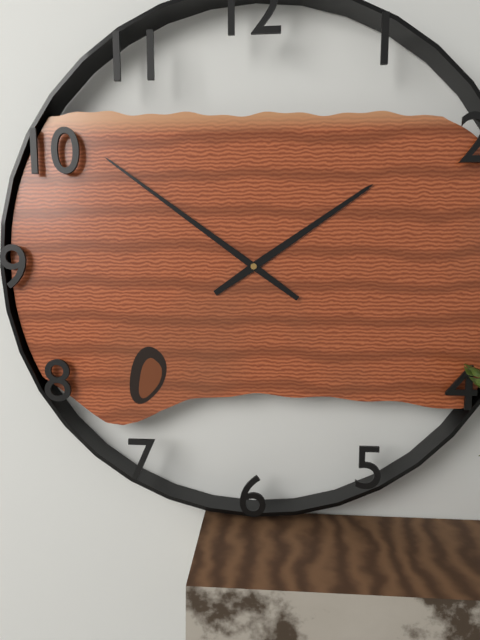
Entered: {"hour": 1, "minute": 51}
